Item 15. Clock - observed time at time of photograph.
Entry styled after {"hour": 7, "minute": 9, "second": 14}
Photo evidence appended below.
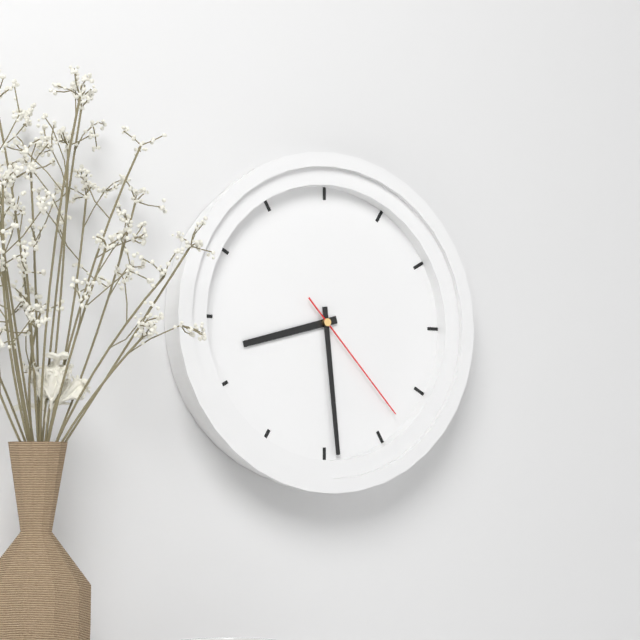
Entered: {"hour": 8, "minute": 29, "second": 23}
